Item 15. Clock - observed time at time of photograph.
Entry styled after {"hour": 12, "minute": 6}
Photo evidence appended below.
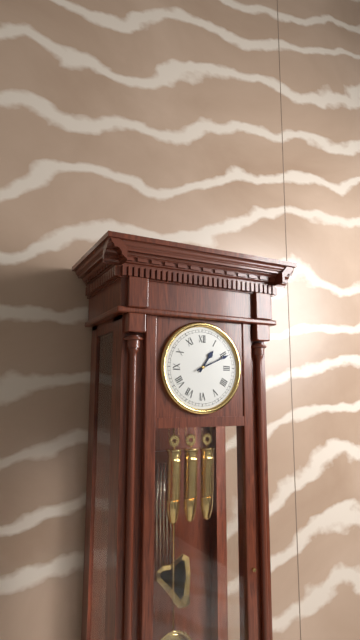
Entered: {"hour": 1, "minute": 11}
